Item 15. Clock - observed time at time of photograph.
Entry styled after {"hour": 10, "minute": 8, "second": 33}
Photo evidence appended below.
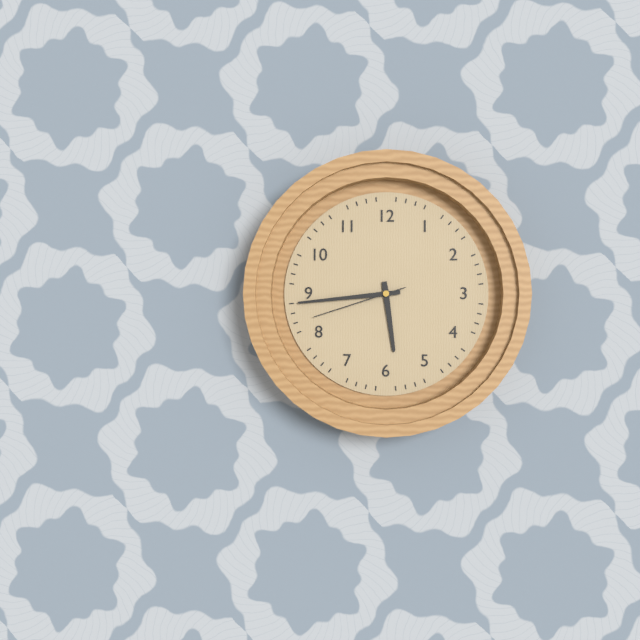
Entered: {"hour": 5, "minute": 44, "second": 42}
